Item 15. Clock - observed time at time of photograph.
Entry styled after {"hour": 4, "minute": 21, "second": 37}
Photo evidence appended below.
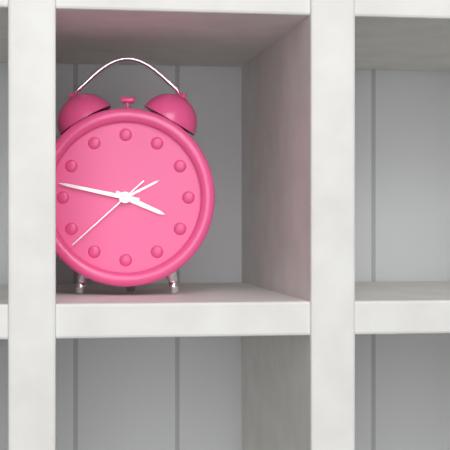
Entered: {"hour": 3, "minute": 47, "second": 38}
